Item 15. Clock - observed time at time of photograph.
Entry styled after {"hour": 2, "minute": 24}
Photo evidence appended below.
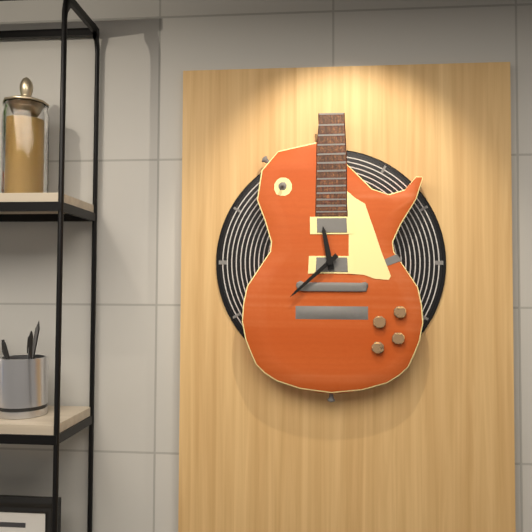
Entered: {"hour": 11, "minute": 38}
